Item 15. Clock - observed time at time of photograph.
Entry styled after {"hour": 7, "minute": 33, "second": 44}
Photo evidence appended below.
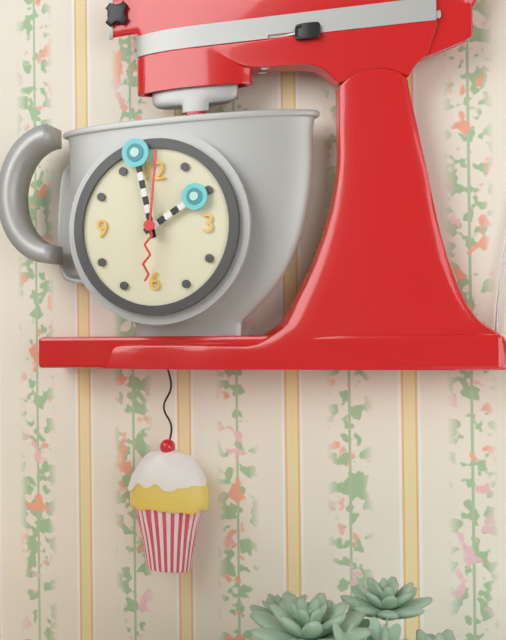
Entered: {"hour": 1, "minute": 58, "second": 1}
